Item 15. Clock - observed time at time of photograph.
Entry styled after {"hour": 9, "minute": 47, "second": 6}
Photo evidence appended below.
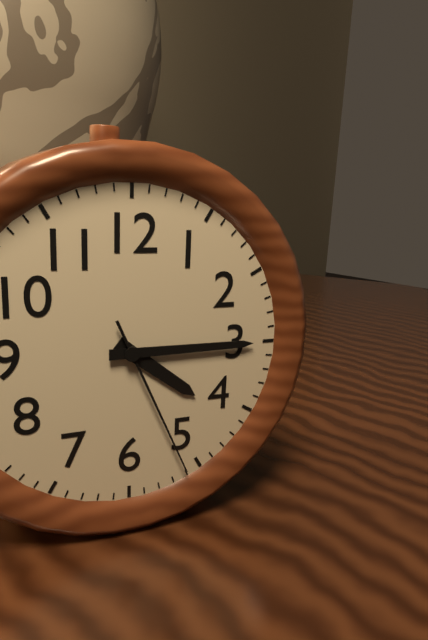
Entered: {"hour": 4, "minute": 15, "second": 26}
